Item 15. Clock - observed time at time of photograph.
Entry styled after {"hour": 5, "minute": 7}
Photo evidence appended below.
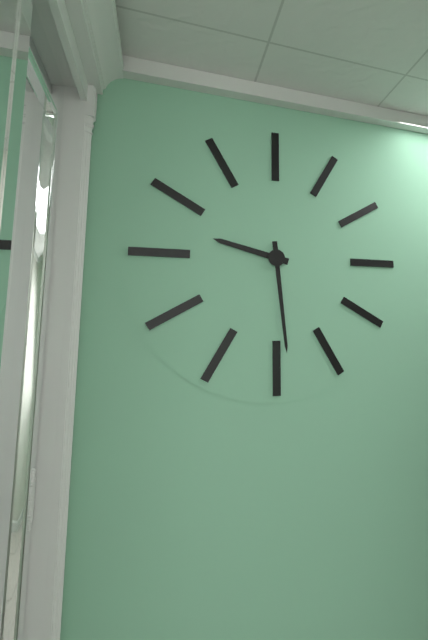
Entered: {"hour": 9, "minute": 29}
